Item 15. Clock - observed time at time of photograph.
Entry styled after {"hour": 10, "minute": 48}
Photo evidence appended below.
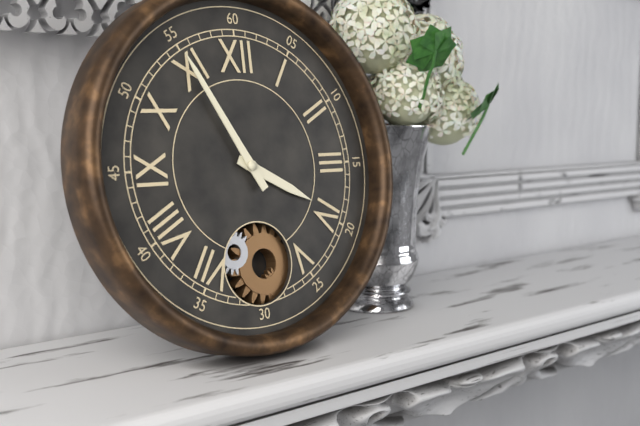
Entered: {"hour": 3, "minute": 55}
